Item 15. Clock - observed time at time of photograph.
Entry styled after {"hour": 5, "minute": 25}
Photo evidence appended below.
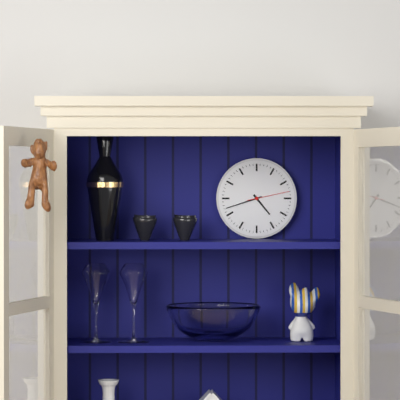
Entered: {"hour": 4, "minute": 42}
